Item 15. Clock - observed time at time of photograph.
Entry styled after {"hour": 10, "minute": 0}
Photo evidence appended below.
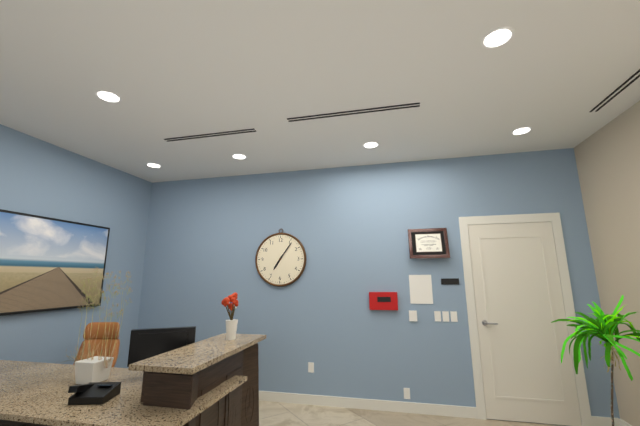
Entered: {"hour": 7, "minute": 6}
